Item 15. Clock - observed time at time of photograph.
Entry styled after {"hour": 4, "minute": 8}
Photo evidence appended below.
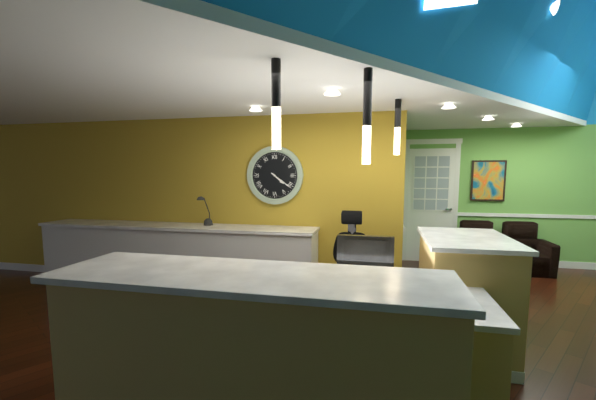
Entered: {"hour": 4, "minute": 21}
